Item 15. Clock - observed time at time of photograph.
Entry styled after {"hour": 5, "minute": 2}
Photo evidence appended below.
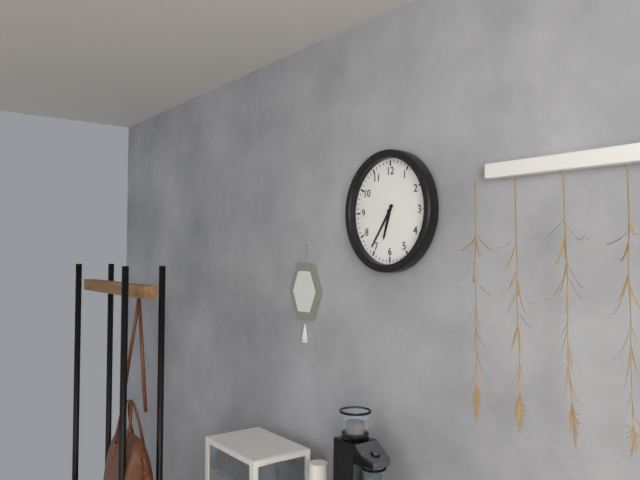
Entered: {"hour": 6, "minute": 36}
